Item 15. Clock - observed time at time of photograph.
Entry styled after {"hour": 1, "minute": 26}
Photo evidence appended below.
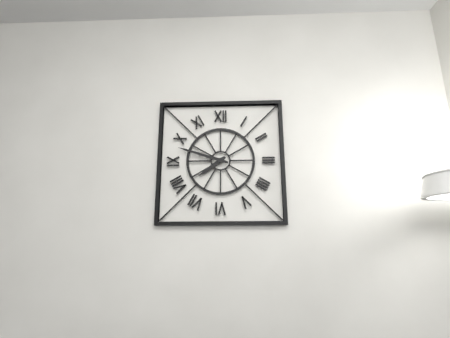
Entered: {"hour": 7, "minute": 48}
